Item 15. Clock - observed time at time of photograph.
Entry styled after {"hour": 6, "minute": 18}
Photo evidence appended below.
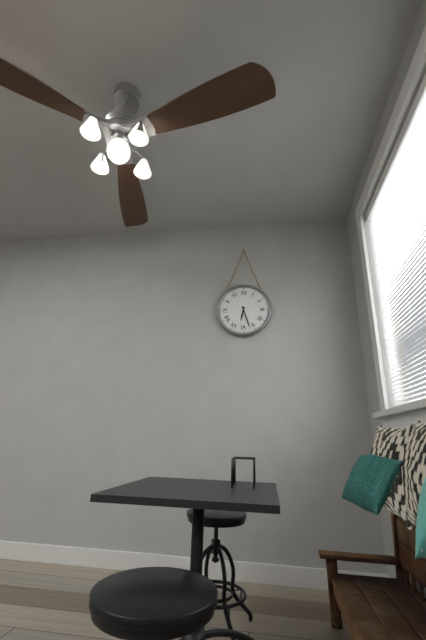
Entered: {"hour": 6, "minute": 27}
